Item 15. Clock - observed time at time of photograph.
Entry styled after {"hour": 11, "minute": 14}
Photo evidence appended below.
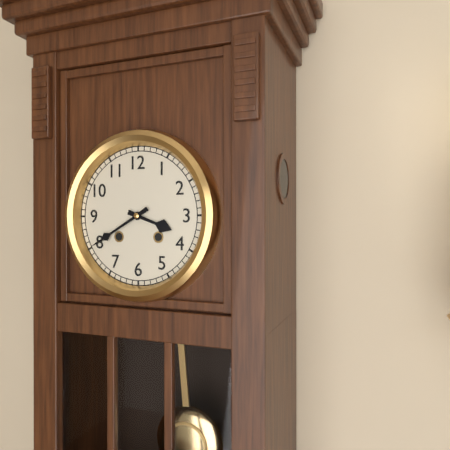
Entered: {"hour": 3, "minute": 40}
